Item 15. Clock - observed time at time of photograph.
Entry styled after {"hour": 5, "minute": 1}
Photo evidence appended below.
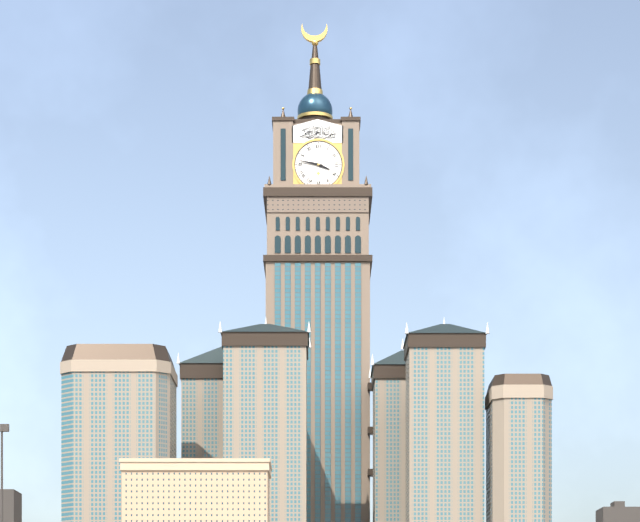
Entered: {"hour": 3, "minute": 47}
